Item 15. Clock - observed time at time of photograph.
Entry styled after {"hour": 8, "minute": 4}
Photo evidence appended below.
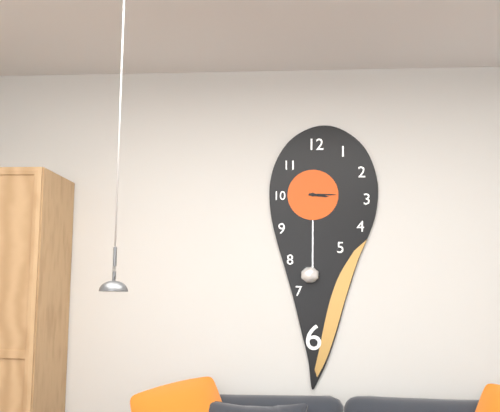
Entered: {"hour": 3, "minute": 15}
